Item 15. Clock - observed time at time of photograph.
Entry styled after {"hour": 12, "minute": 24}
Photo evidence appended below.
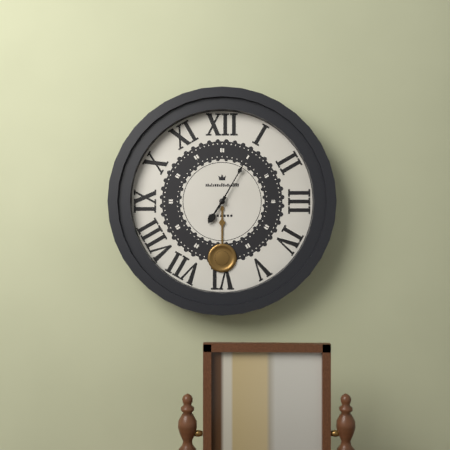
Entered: {"hour": 7, "minute": 5}
